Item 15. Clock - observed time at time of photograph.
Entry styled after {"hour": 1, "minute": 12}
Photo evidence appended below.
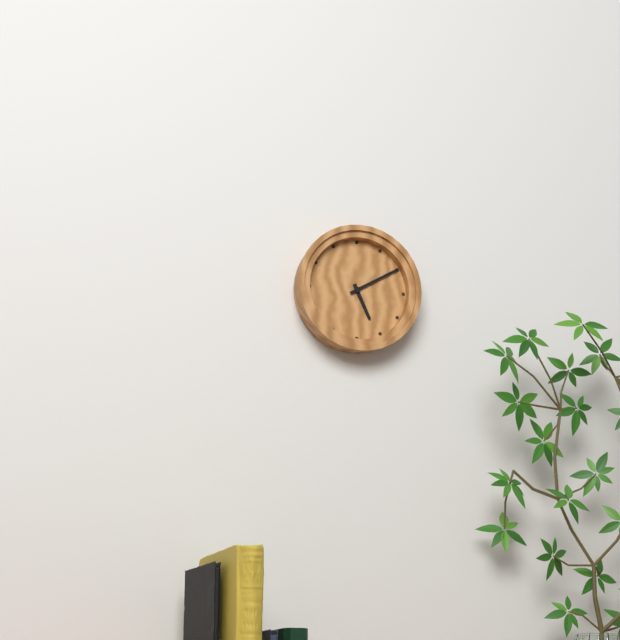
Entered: {"hour": 5, "minute": 10}
